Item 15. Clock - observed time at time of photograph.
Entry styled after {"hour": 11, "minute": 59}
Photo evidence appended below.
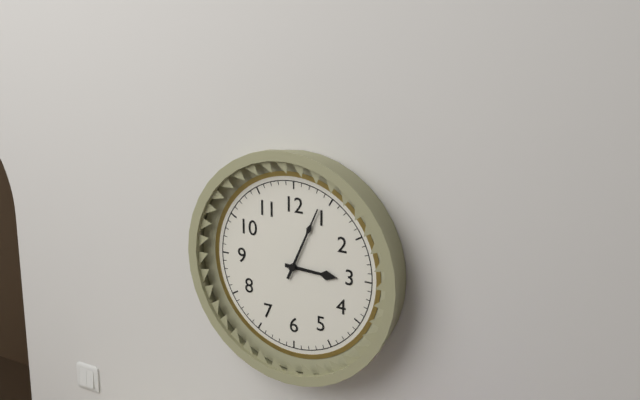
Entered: {"hour": 3, "minute": 4}
